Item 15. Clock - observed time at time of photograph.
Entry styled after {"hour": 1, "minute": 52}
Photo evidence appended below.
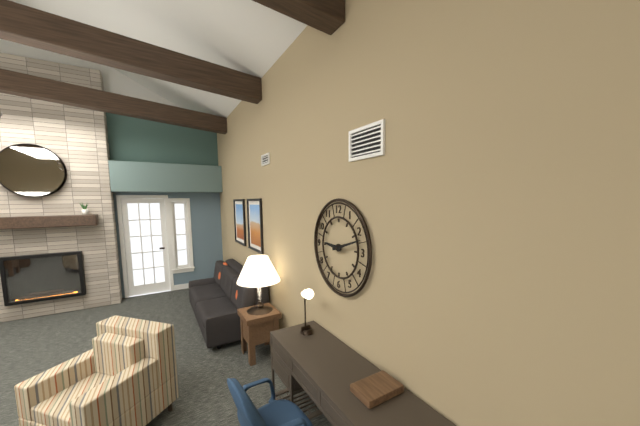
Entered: {"hour": 9, "minute": 12}
